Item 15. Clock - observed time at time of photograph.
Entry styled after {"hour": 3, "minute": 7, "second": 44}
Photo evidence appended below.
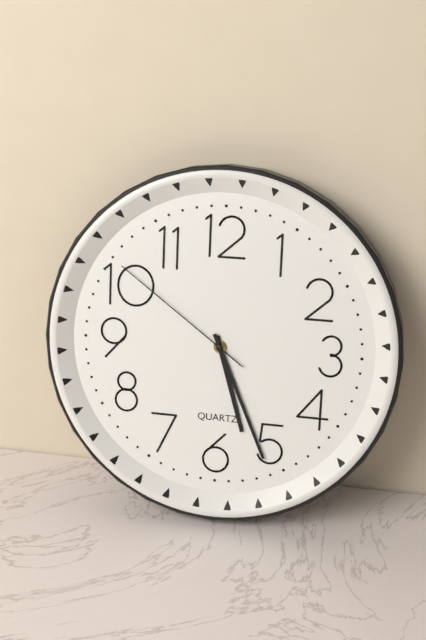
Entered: {"hour": 5, "minute": 26, "second": 51}
